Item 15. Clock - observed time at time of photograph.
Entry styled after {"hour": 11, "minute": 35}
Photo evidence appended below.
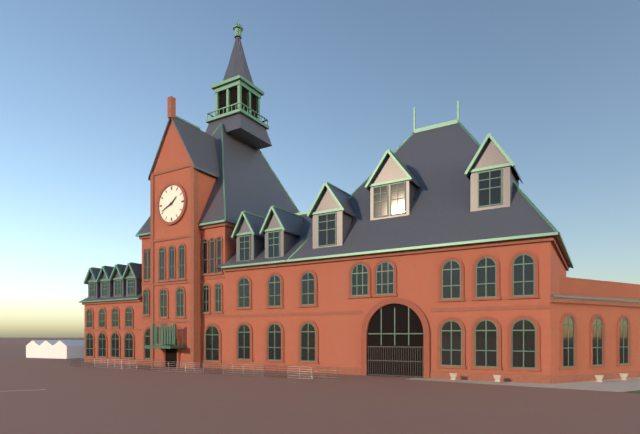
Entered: {"hour": 1, "minute": 41}
